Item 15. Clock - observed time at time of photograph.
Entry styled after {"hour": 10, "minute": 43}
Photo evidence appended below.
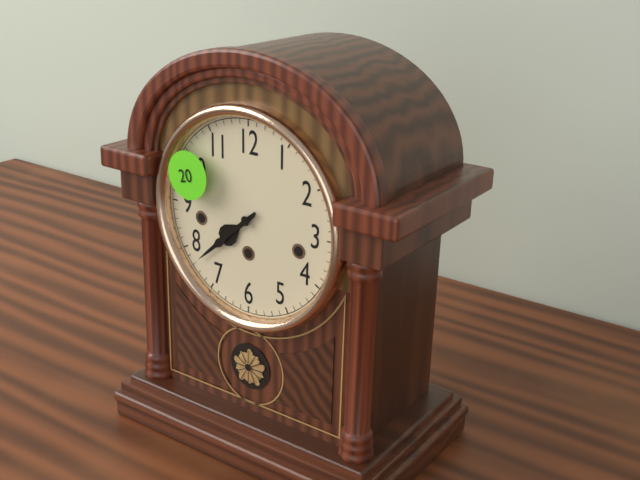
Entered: {"hour": 7, "minute": 38}
